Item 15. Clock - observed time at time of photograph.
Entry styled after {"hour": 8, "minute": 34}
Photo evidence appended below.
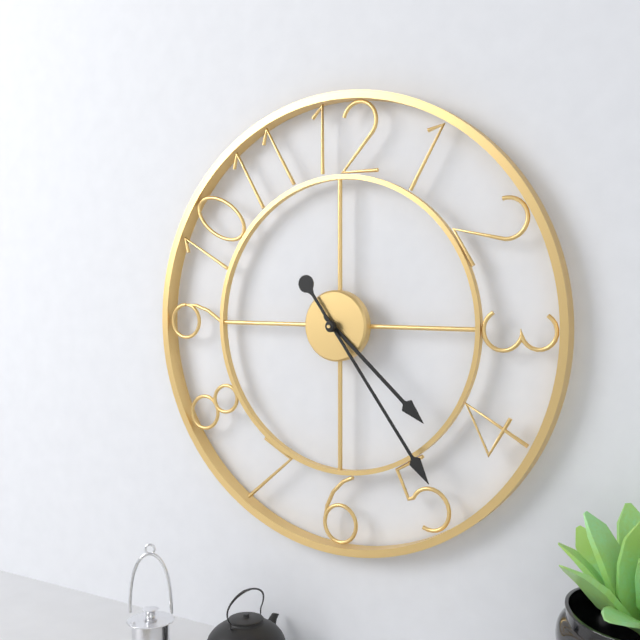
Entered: {"hour": 4, "minute": 24}
